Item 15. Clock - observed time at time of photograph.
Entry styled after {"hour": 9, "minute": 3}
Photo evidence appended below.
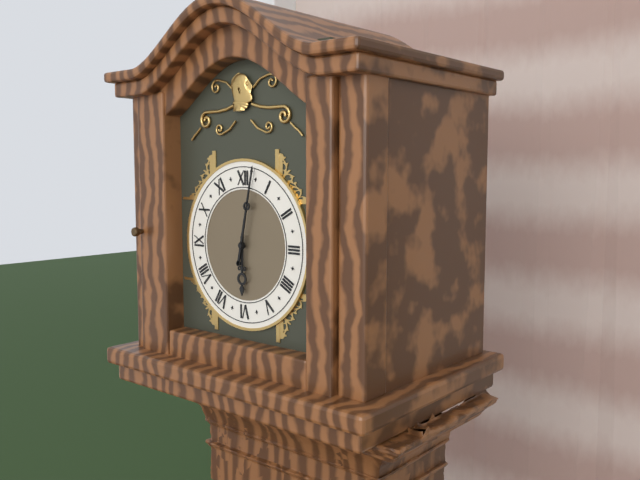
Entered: {"hour": 6, "minute": 2}
